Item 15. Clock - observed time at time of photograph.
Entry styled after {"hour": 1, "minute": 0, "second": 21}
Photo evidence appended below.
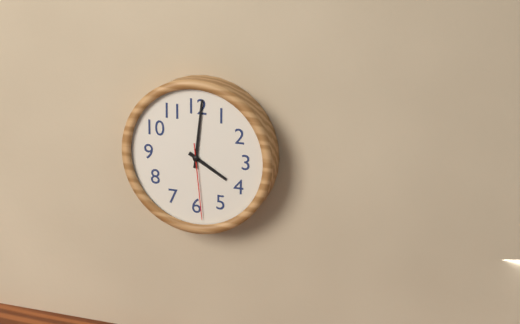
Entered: {"hour": 4, "minute": 1, "second": 29}
